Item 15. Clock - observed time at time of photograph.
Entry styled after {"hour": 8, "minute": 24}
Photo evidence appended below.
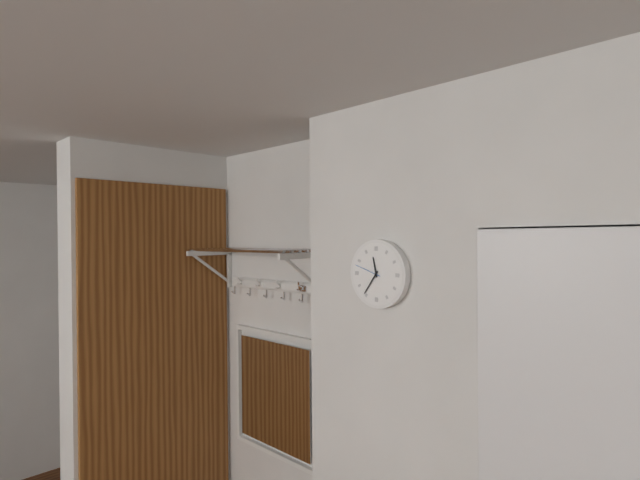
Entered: {"hour": 11, "minute": 36}
